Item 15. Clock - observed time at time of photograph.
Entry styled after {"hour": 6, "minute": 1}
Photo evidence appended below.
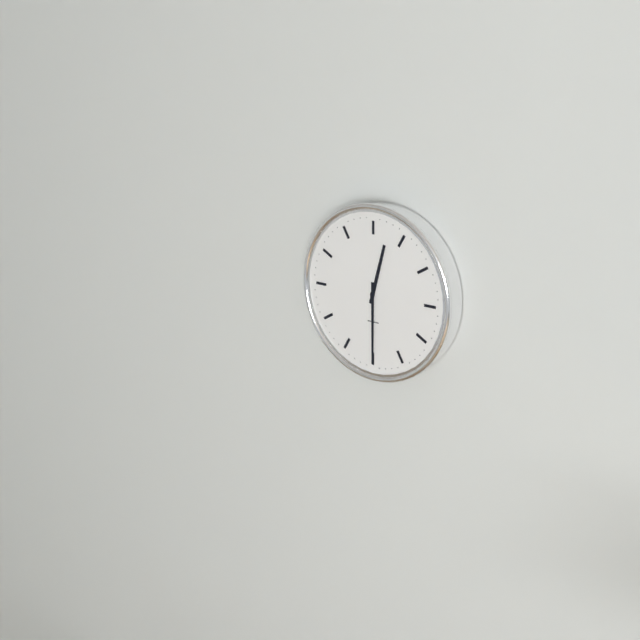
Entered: {"hour": 12, "minute": 30}
